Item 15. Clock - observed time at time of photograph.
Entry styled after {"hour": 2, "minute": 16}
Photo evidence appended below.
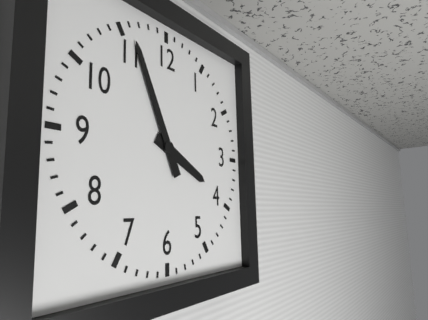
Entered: {"hour": 3, "minute": 56}
